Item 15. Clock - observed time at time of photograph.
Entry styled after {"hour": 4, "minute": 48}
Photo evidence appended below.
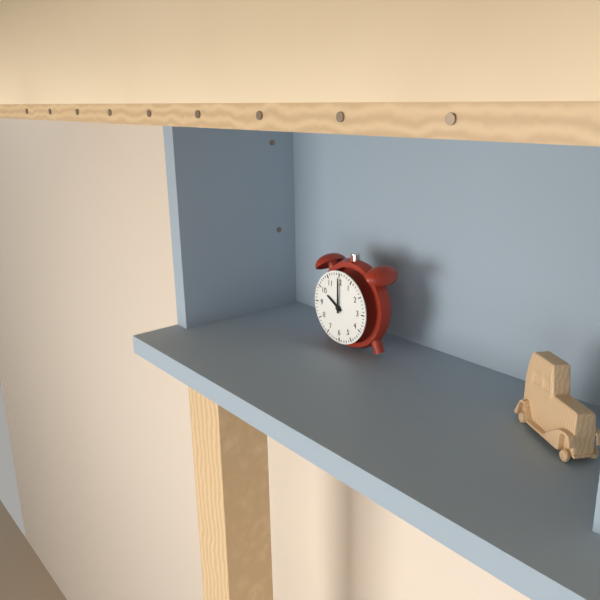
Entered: {"hour": 10, "minute": 0}
